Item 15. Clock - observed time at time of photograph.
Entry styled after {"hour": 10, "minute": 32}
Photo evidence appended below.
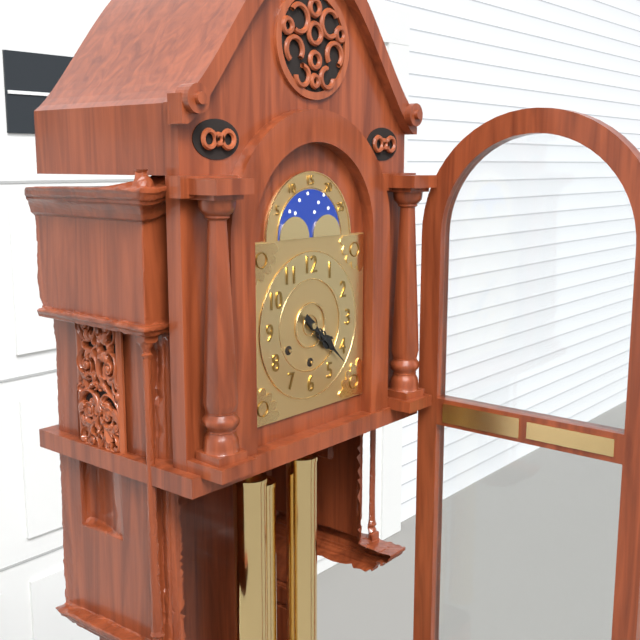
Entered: {"hour": 4, "minute": 22}
